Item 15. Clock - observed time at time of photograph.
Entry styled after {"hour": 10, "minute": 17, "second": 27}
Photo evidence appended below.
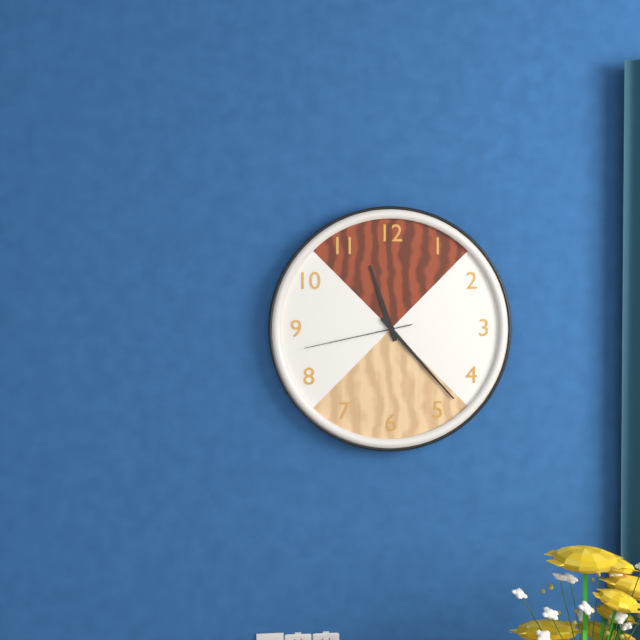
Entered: {"hour": 11, "minute": 23, "second": 43}
